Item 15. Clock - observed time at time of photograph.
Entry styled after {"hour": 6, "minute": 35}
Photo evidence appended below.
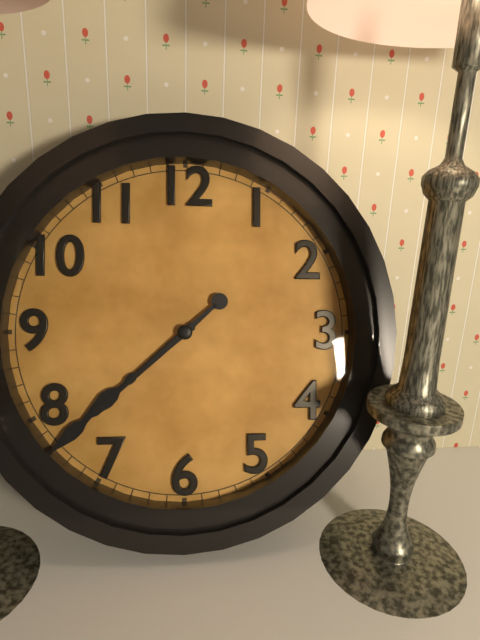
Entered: {"hour": 7, "minute": 38}
